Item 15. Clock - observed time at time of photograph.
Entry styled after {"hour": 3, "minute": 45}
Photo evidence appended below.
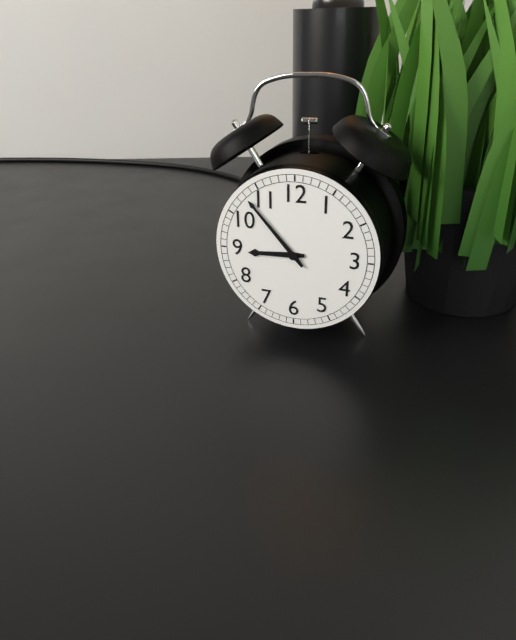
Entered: {"hour": 8, "minute": 53}
